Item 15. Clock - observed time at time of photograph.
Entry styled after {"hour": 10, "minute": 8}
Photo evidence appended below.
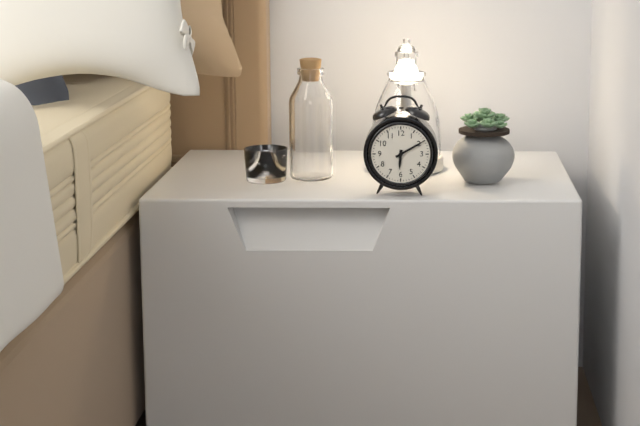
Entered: {"hour": 6, "minute": 10}
